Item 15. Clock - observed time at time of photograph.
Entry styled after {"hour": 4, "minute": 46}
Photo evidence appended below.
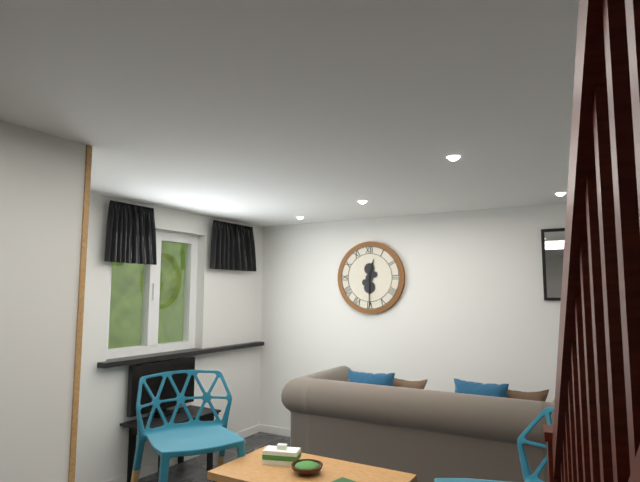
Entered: {"hour": 12, "minute": 30}
